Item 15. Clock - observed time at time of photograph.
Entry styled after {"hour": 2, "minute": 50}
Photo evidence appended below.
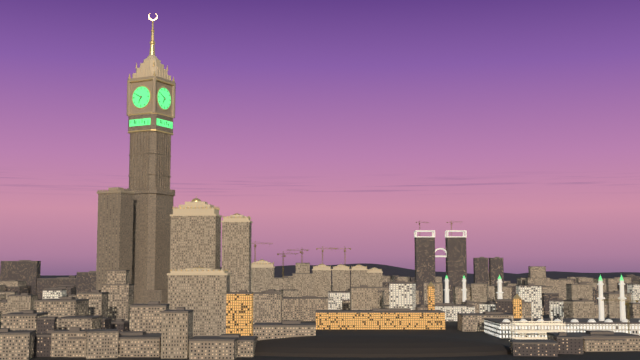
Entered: {"hour": 6, "minute": 50}
